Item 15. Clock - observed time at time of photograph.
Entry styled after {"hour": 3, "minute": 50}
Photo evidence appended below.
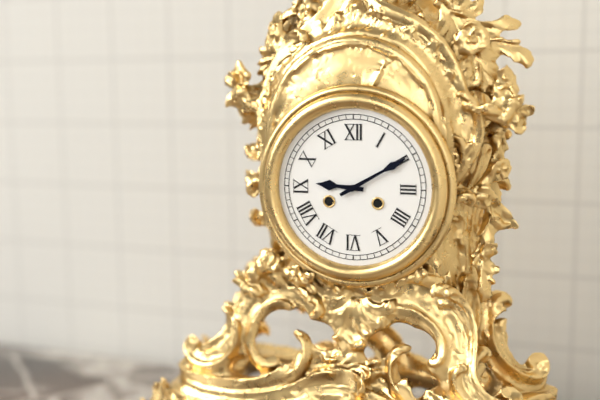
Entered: {"hour": 9, "minute": 10}
